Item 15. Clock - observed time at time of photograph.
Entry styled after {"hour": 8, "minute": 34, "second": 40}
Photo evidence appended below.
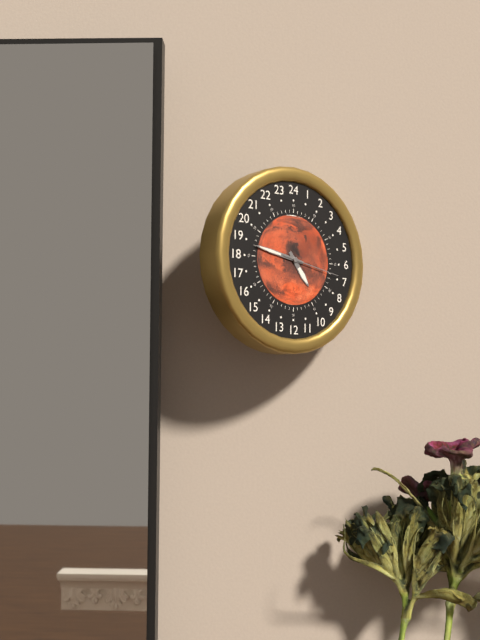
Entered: {"hour": 4, "minute": 47, "second": 17}
